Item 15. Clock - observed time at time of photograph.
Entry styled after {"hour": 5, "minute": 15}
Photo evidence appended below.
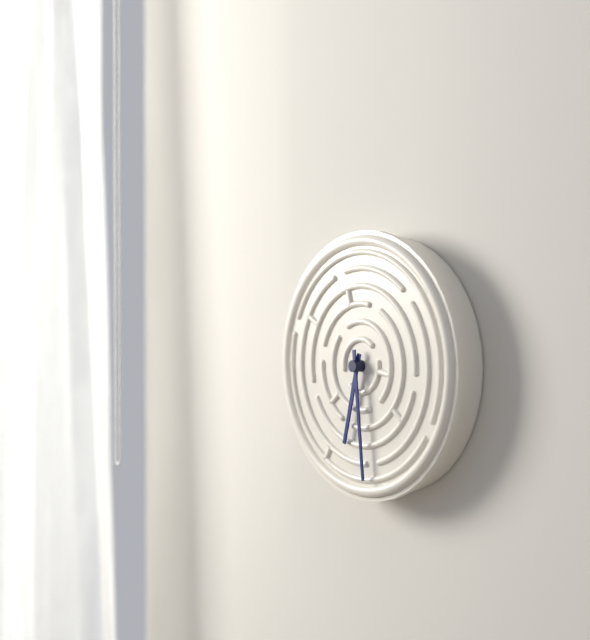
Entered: {"hour": 6, "minute": 29}
